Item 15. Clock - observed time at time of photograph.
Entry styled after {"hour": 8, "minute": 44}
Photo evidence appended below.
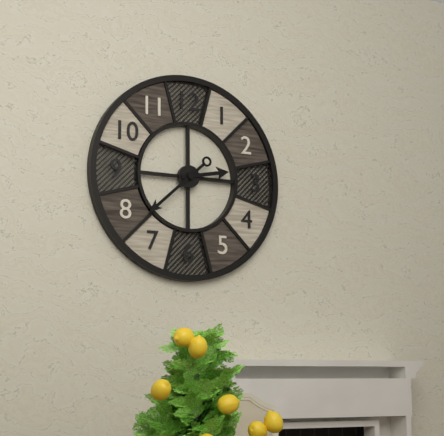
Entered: {"hour": 2, "minute": 38}
